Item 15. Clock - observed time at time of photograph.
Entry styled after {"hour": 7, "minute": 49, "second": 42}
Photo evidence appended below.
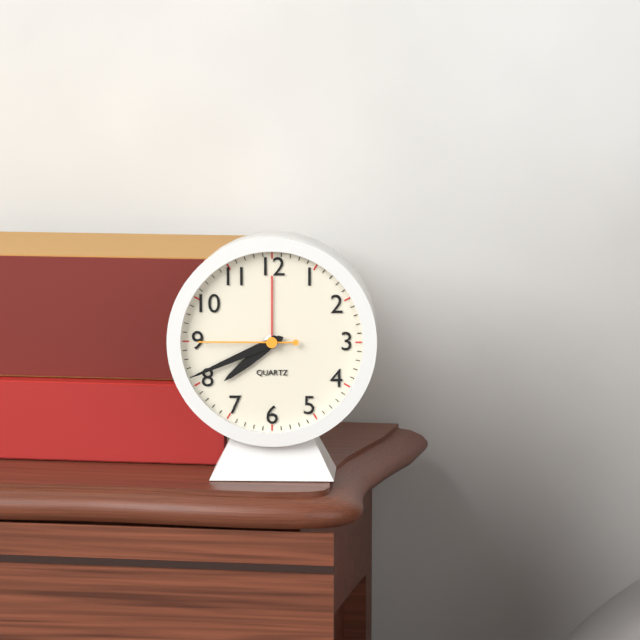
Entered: {"hour": 7, "minute": 41, "second": 45}
